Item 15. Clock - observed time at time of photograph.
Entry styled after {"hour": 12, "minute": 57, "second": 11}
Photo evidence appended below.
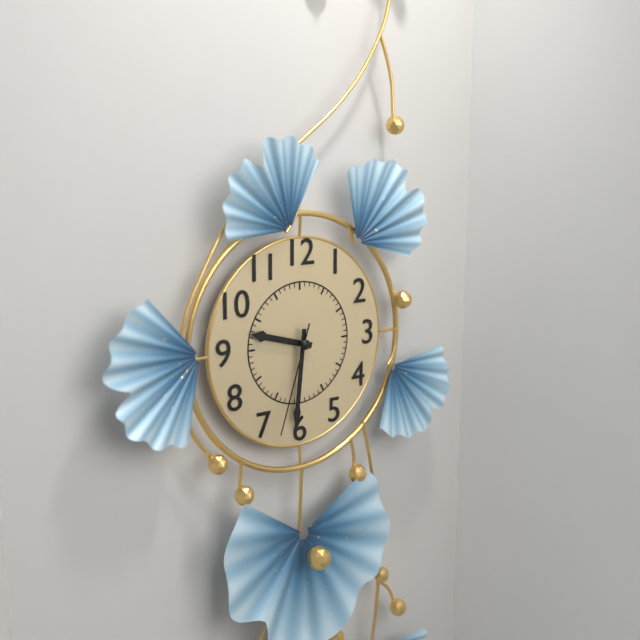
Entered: {"hour": 9, "minute": 31, "second": 33}
